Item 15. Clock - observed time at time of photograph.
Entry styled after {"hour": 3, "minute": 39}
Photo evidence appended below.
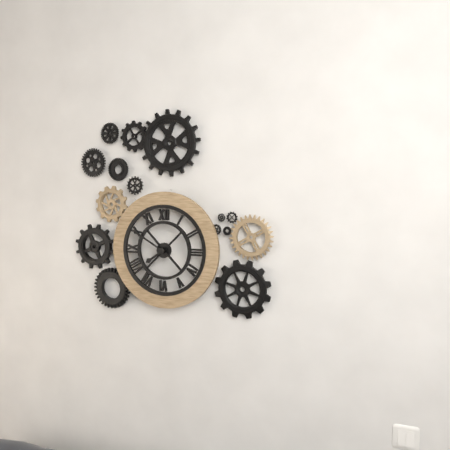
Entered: {"hour": 7, "minute": 50}
